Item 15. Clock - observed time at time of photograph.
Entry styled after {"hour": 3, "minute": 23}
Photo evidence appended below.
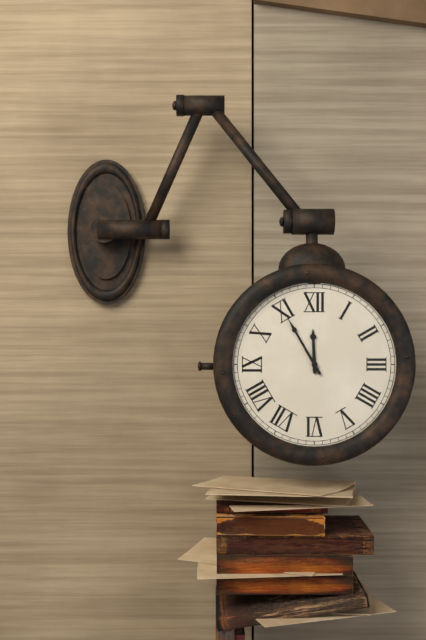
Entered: {"hour": 11, "minute": 55}
